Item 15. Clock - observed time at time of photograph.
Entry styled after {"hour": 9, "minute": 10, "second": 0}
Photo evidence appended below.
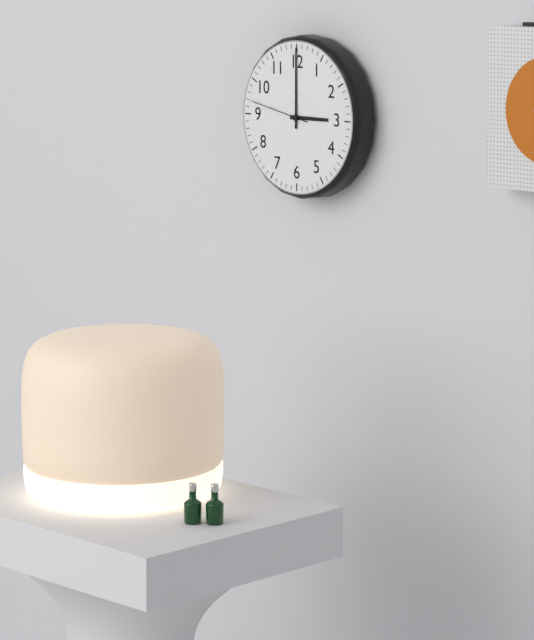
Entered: {"hour": 3, "minute": 0, "second": 47}
